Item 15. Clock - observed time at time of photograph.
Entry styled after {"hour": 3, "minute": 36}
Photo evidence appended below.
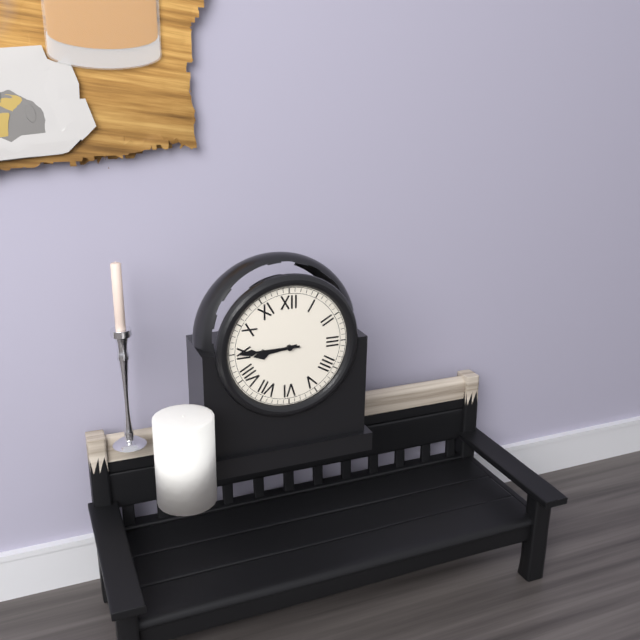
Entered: {"hour": 8, "minute": 45}
